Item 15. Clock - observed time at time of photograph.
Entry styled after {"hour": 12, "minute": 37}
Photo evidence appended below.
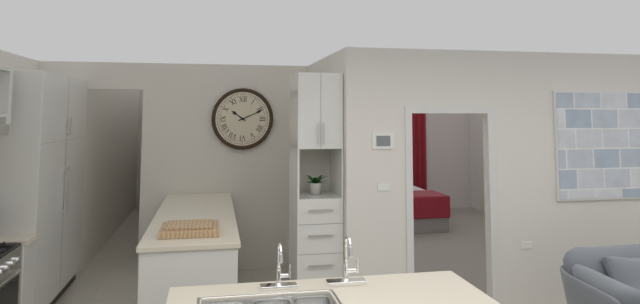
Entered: {"hour": 10, "minute": 11}
